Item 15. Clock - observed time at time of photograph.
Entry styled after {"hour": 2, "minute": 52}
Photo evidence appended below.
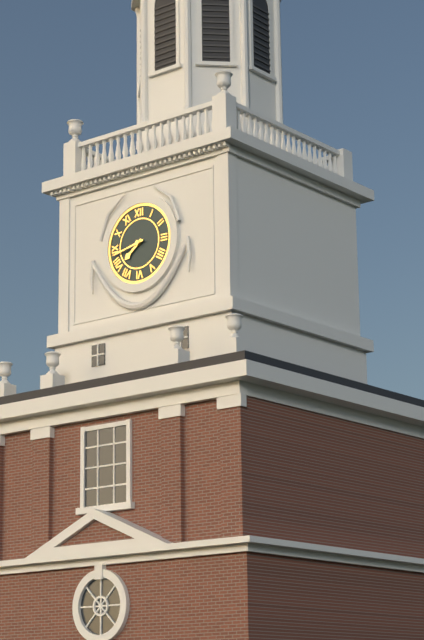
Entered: {"hour": 7, "minute": 43}
